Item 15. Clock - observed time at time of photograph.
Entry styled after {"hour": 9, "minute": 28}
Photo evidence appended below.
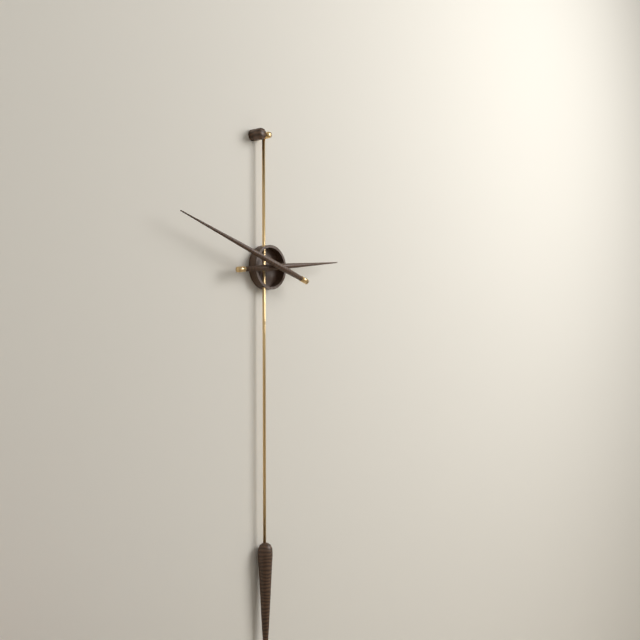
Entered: {"hour": 2, "minute": 48}
